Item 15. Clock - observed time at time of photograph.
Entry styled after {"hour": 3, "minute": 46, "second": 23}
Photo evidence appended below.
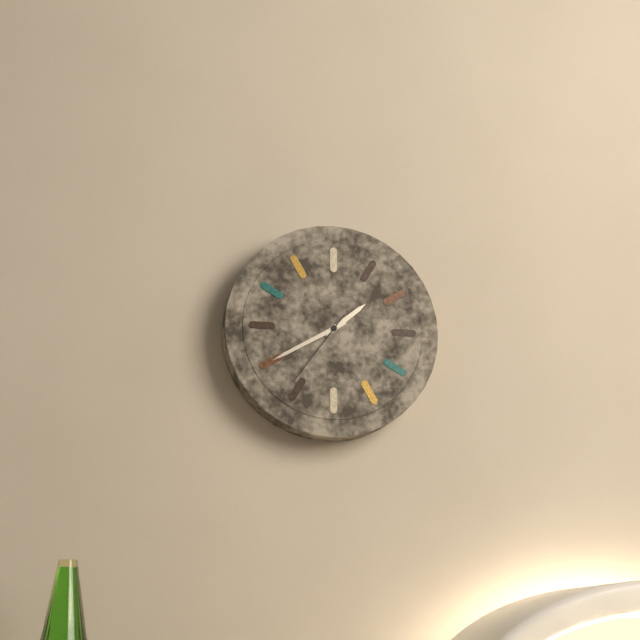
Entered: {"hour": 1, "minute": 40, "second": 36}
